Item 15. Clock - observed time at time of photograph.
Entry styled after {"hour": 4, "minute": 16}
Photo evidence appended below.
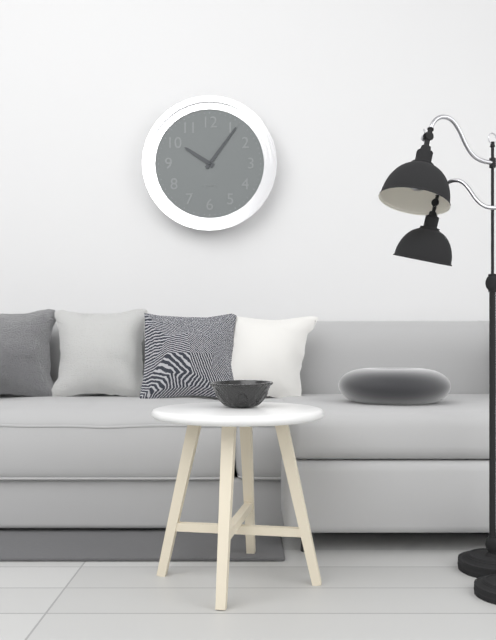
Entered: {"hour": 10, "minute": 6}
